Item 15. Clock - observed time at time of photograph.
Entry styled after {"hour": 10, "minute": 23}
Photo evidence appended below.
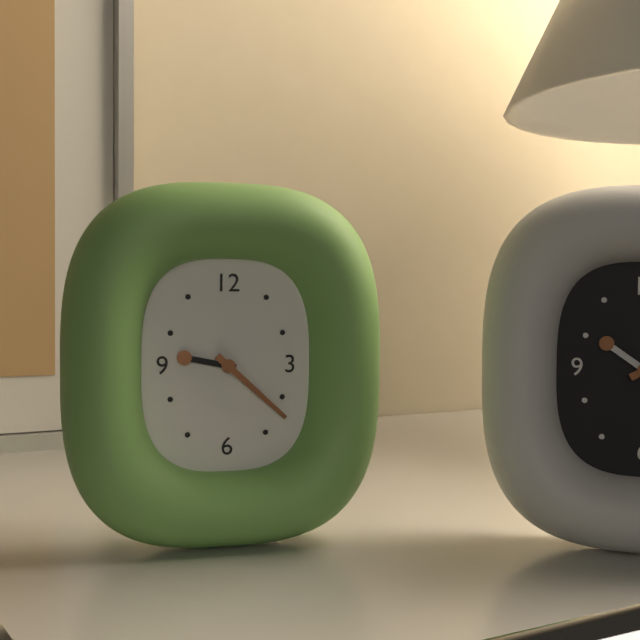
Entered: {"hour": 9, "minute": 22}
